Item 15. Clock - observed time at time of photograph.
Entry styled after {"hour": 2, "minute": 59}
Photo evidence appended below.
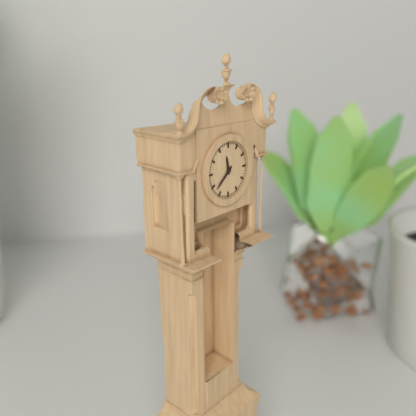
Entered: {"hour": 11, "minute": 38}
